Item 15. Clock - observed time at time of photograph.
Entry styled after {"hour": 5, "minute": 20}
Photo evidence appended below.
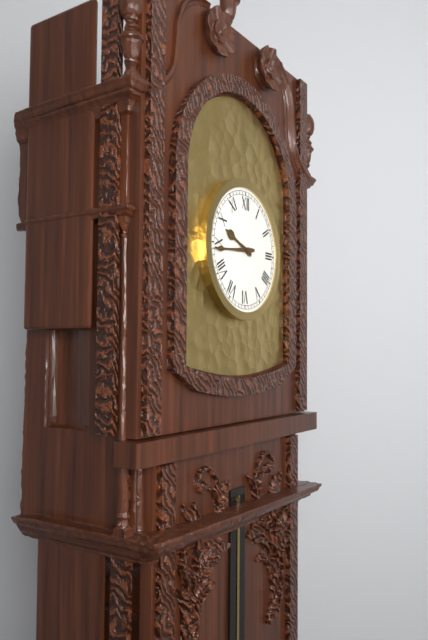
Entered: {"hour": 9, "minute": 44}
